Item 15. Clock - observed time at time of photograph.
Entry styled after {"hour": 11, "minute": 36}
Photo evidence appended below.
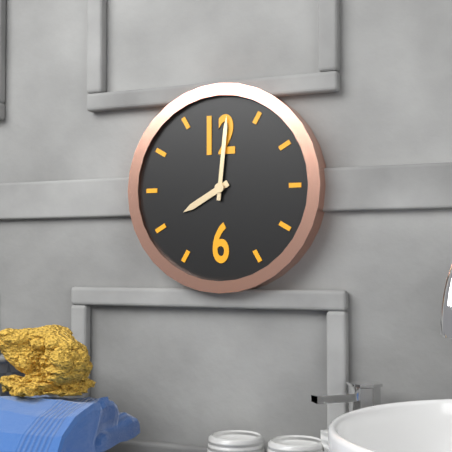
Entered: {"hour": 8, "minute": 1}
